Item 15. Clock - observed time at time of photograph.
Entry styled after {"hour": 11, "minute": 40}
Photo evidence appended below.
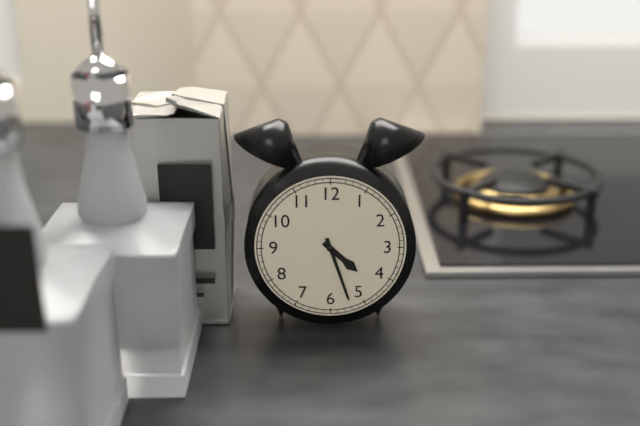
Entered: {"hour": 4, "minute": 27}
